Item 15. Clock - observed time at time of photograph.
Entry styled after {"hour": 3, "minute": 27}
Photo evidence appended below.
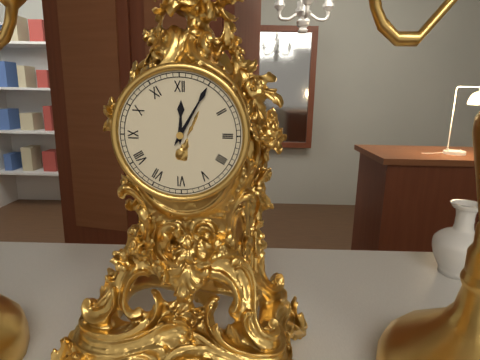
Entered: {"hour": 12, "minute": 5}
